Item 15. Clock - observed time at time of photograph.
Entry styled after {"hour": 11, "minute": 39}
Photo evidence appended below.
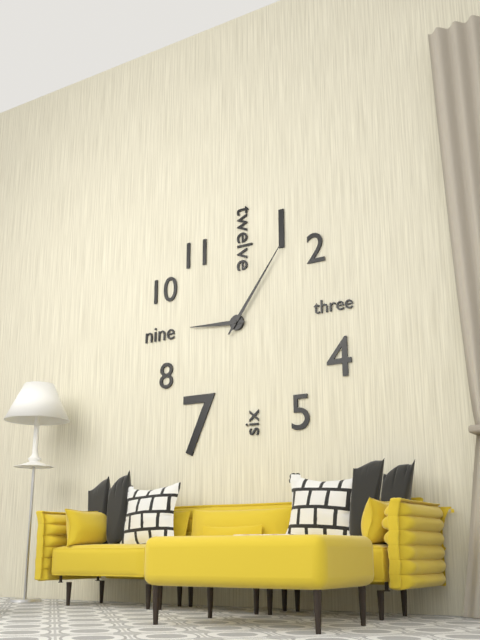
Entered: {"hour": 9, "minute": 6}
